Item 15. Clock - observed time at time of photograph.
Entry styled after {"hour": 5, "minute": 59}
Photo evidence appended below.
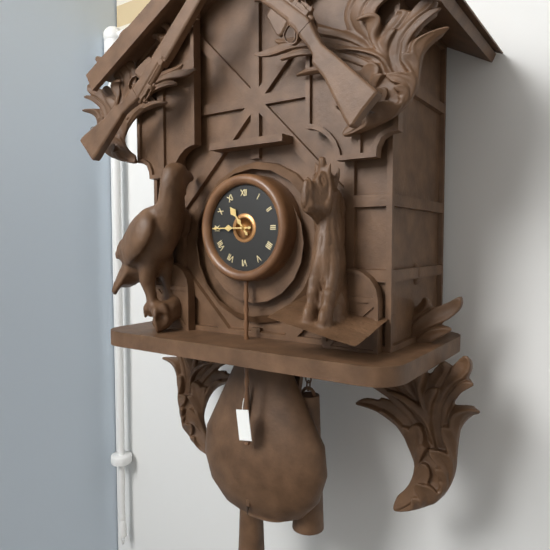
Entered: {"hour": 10, "minute": 45}
